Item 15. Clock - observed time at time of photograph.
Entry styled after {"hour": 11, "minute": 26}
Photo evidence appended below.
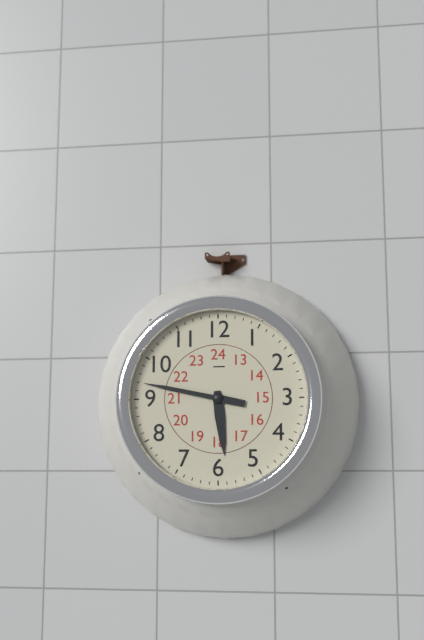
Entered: {"hour": 5, "minute": 47}
